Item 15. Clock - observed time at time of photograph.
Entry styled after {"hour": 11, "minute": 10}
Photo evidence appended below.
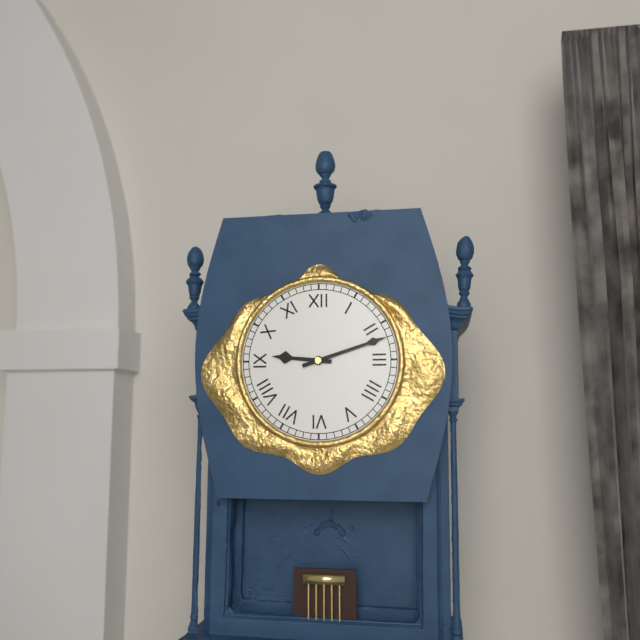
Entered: {"hour": 9, "minute": 12}
